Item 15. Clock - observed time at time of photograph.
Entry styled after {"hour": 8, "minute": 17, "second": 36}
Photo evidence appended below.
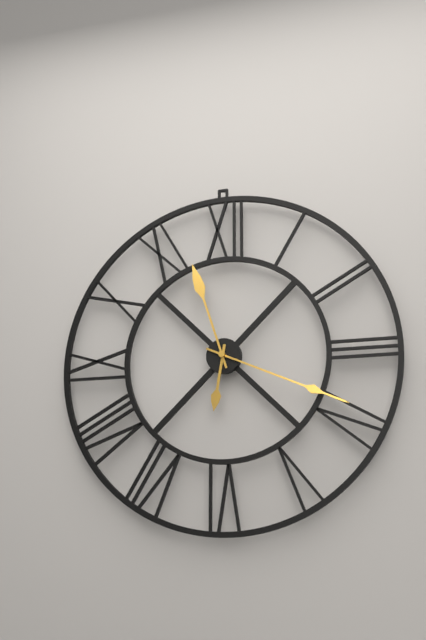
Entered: {"hour": 6, "minute": 19, "second": 57}
